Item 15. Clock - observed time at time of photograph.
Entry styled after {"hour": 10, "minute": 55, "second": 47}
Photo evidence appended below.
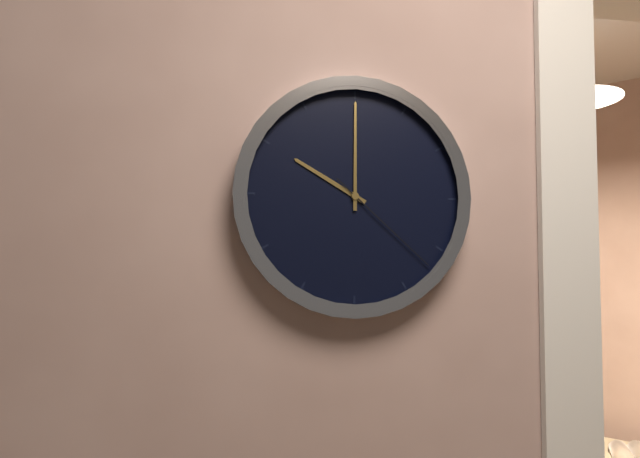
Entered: {"hour": 10, "minute": 0, "second": 22}
